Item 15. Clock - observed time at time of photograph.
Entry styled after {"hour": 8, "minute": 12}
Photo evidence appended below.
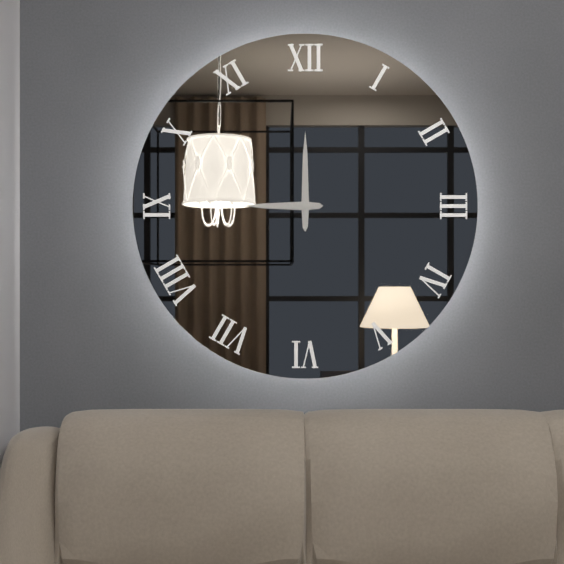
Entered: {"hour": 9, "minute": 0}
